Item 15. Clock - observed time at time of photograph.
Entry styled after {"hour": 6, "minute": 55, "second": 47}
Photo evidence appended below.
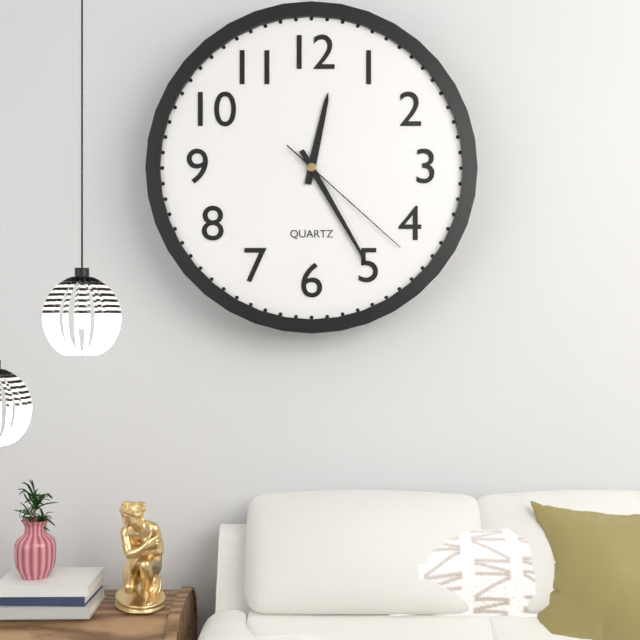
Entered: {"hour": 12, "minute": 25, "second": 22}
